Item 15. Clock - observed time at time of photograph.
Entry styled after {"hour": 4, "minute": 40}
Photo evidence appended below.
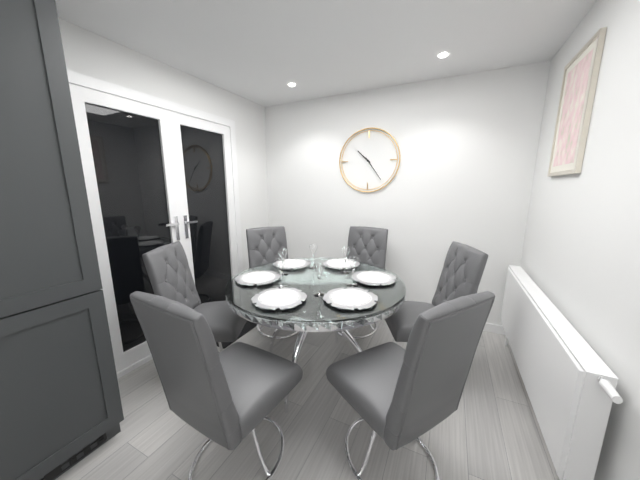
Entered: {"hour": 10, "minute": 24}
